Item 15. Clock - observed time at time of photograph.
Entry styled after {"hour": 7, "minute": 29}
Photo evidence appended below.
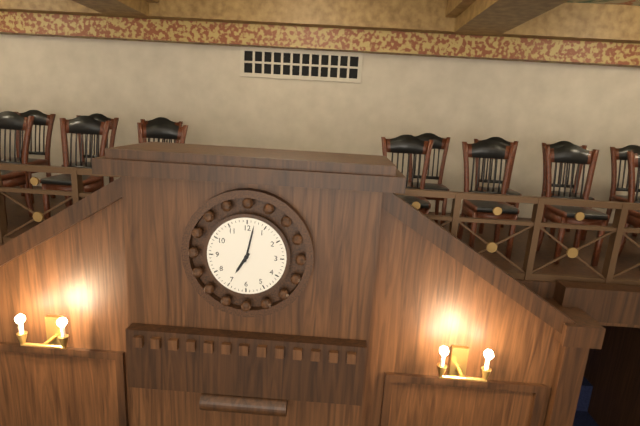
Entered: {"hour": 7, "minute": 2}
